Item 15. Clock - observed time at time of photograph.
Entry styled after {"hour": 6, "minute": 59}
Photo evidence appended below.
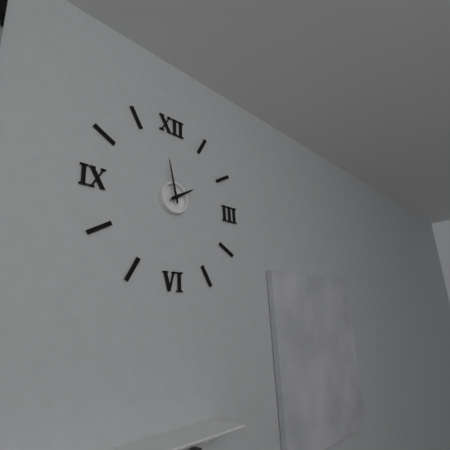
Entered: {"hour": 1, "minute": 58}
